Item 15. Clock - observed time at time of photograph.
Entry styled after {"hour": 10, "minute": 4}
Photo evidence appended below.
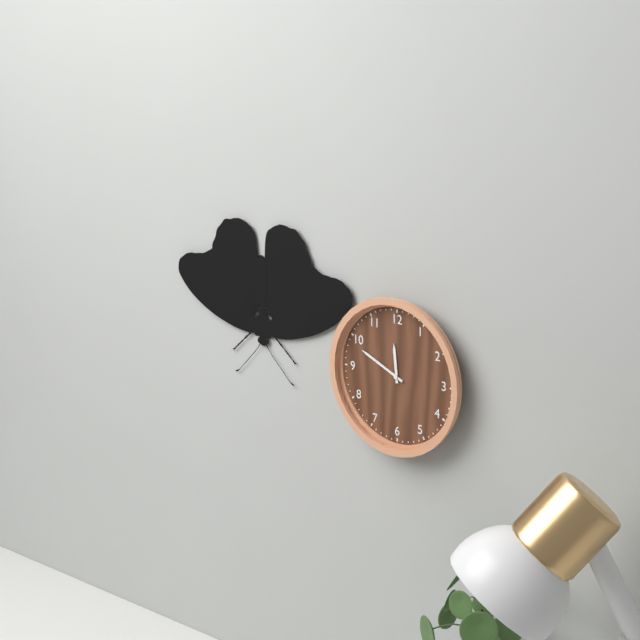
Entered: {"hour": 11, "minute": 49}
